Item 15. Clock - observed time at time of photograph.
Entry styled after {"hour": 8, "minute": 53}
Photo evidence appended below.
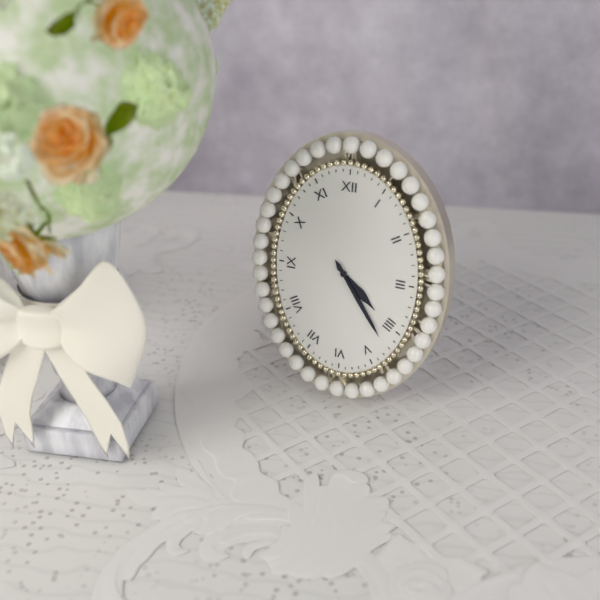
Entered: {"hour": 4, "minute": 24}
